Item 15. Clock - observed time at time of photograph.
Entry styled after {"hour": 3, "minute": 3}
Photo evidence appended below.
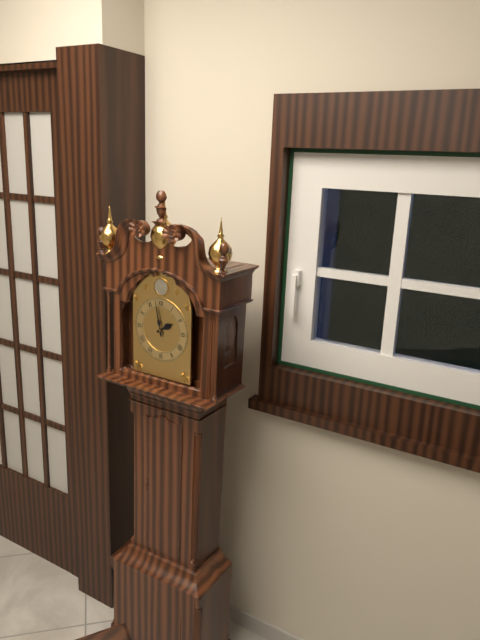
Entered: {"hour": 1, "minute": 58}
